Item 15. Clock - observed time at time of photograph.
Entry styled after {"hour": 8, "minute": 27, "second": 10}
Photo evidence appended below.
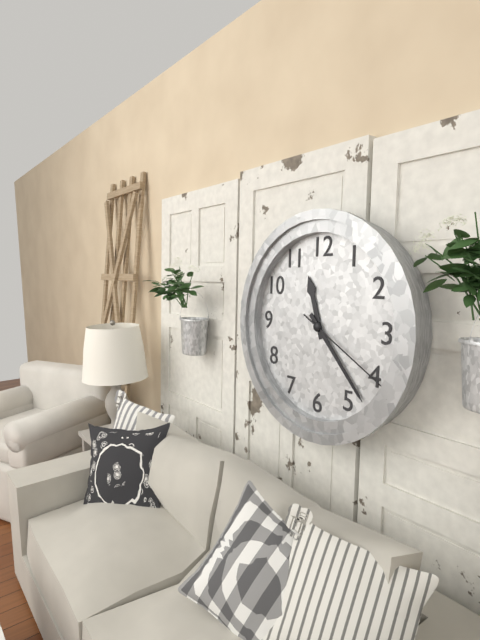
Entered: {"hour": 11, "minute": 23, "second": 20}
